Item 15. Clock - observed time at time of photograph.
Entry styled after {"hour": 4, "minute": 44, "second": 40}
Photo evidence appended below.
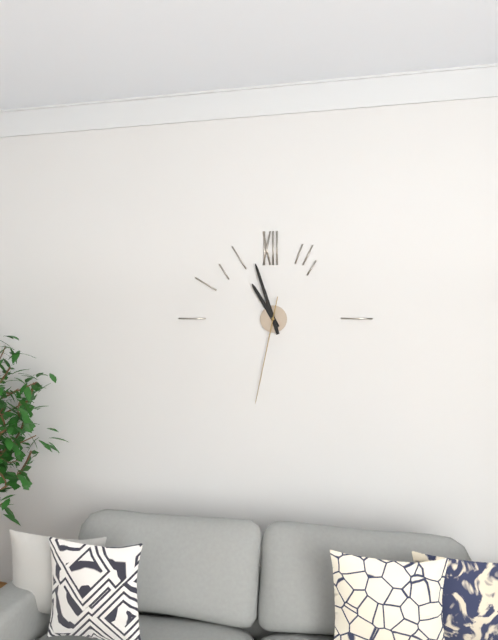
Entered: {"hour": 10, "minute": 57, "second": 32}
